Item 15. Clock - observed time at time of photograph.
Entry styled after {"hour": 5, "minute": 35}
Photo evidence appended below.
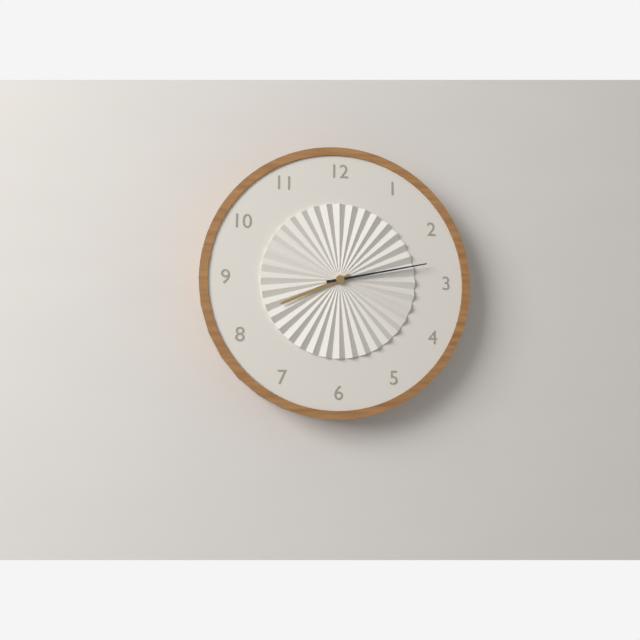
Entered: {"hour": 8, "minute": 13}
